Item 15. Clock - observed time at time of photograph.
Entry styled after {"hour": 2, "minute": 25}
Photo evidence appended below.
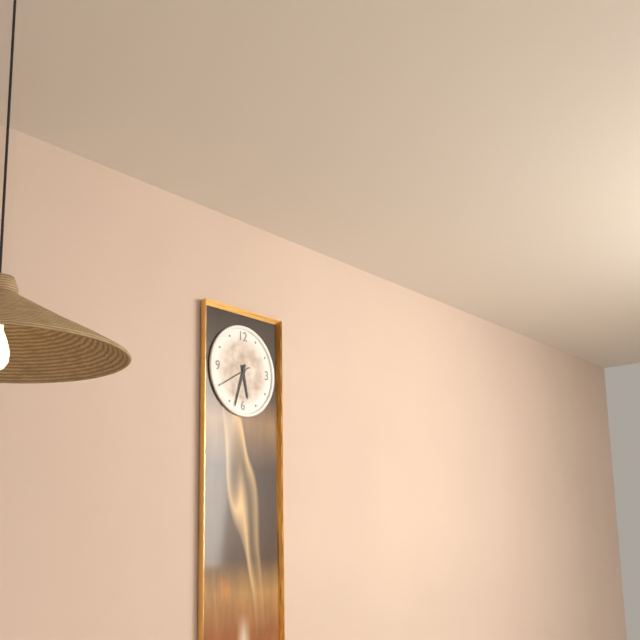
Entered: {"hour": 5, "minute": 33}
